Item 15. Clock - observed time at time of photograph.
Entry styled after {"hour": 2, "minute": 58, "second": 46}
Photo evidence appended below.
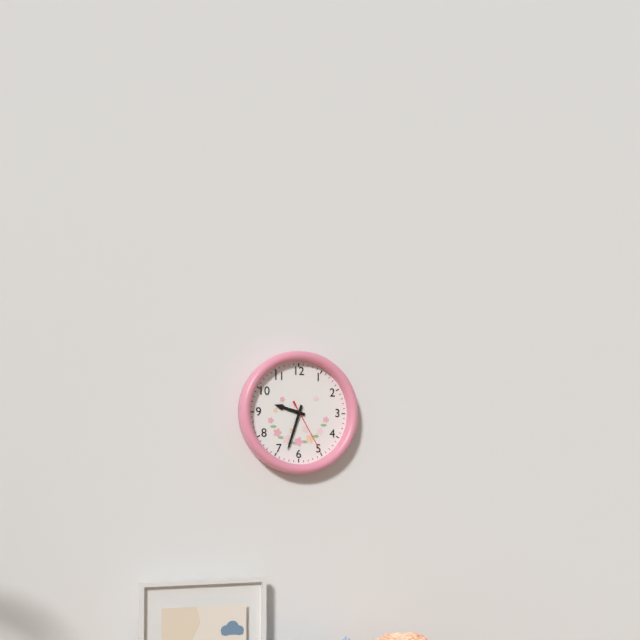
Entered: {"hour": 9, "minute": 33, "second": 25}
